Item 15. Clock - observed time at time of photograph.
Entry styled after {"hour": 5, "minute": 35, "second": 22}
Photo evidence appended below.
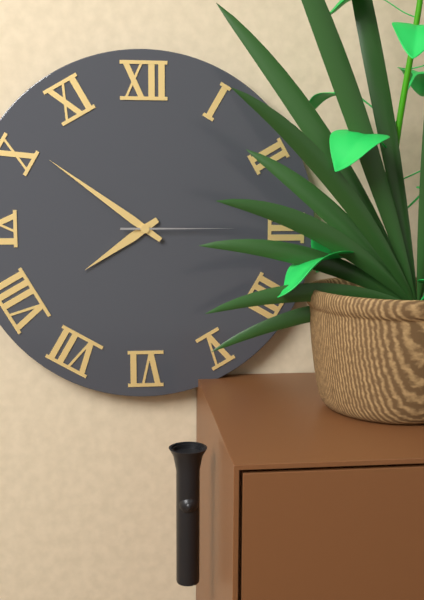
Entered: {"hour": 7, "minute": 51, "second": 15}
